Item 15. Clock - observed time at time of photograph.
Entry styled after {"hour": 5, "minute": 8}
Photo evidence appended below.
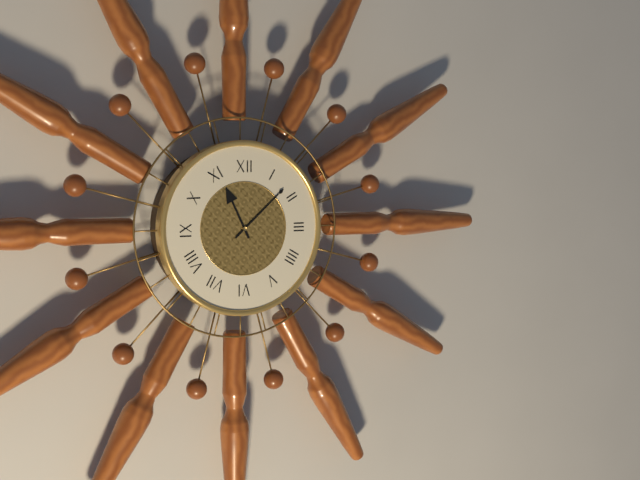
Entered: {"hour": 11, "minute": 8}
